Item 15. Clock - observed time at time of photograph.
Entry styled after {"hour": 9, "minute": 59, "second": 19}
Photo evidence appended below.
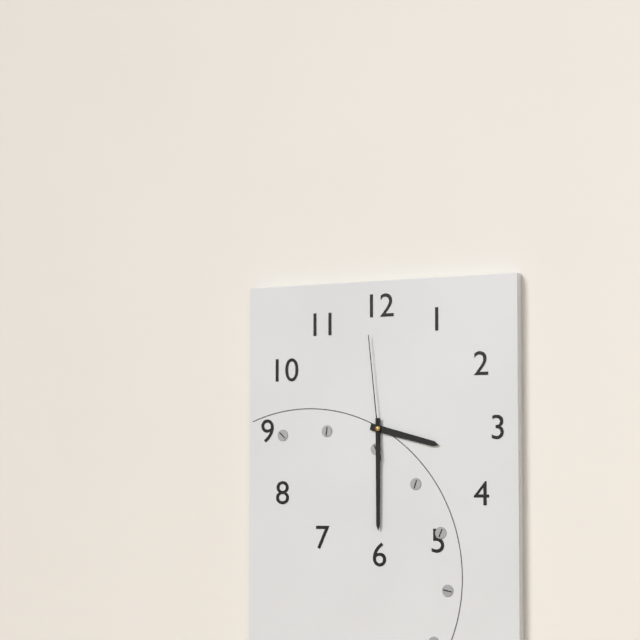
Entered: {"hour": 3, "minute": 30, "second": 59}
